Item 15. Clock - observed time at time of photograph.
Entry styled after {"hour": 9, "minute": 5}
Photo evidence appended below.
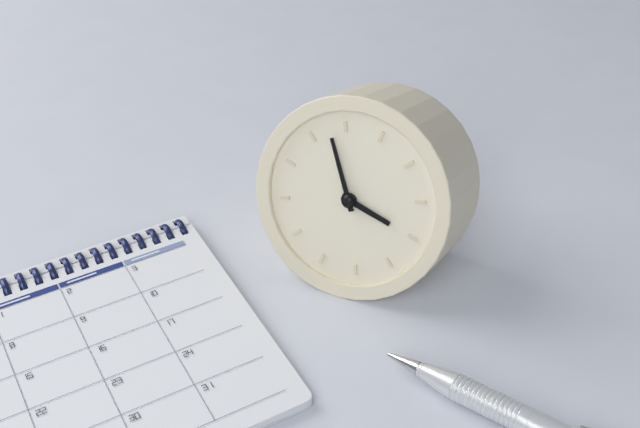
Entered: {"hour": 3, "minute": 58}
